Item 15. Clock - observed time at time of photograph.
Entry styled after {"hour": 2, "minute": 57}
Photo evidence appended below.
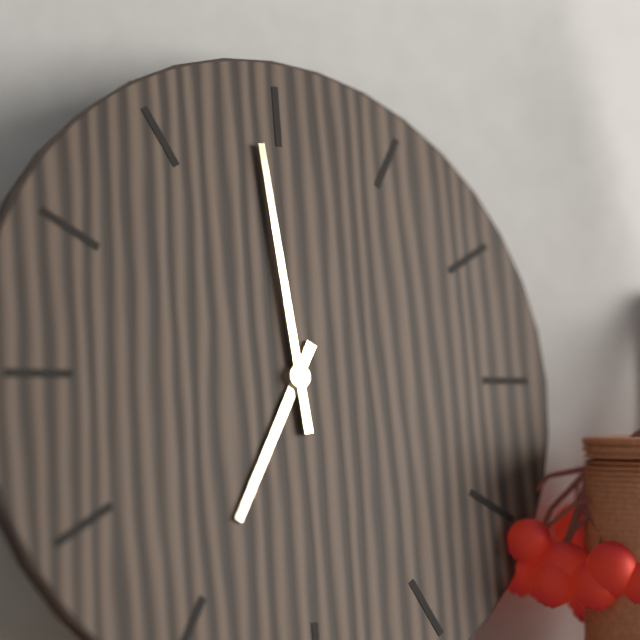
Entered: {"hour": 6, "minute": 59}
